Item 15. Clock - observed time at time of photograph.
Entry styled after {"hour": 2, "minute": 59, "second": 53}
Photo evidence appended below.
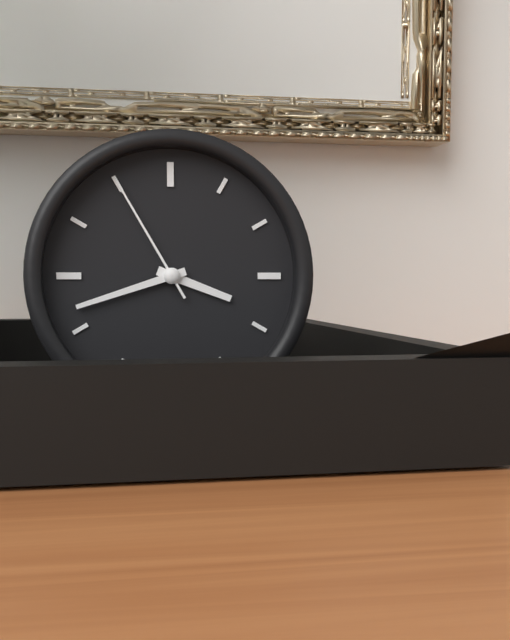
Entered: {"hour": 3, "minute": 42, "second": 55}
